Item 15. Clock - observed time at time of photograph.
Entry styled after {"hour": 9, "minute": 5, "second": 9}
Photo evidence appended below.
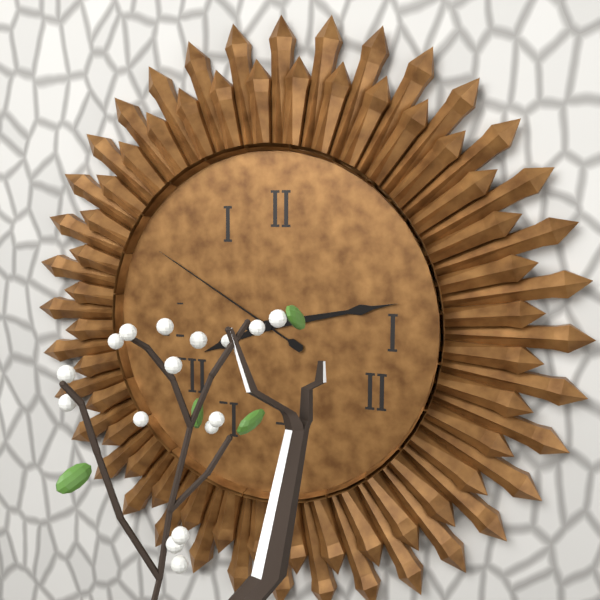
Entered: {"hour": 8, "minute": 13, "second": 50}
